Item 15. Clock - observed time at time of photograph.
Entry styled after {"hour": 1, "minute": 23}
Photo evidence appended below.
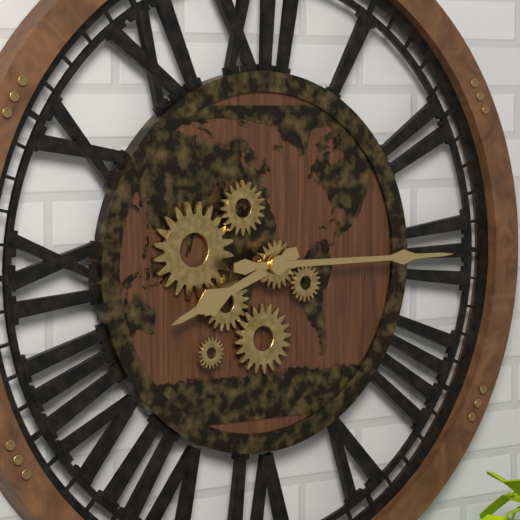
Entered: {"hour": 8, "minute": 15}
